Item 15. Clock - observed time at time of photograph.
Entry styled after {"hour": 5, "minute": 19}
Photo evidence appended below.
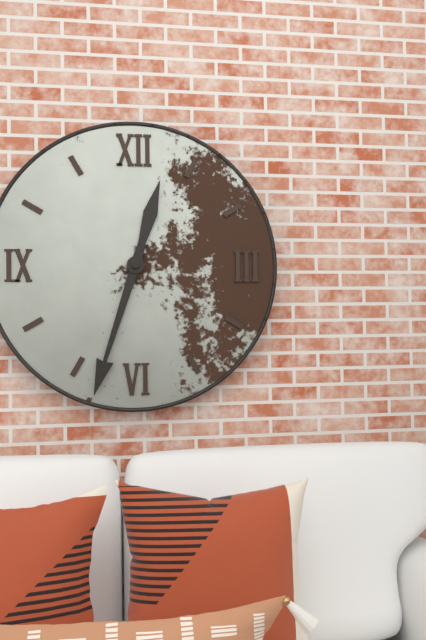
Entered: {"hour": 12, "minute": 33}
